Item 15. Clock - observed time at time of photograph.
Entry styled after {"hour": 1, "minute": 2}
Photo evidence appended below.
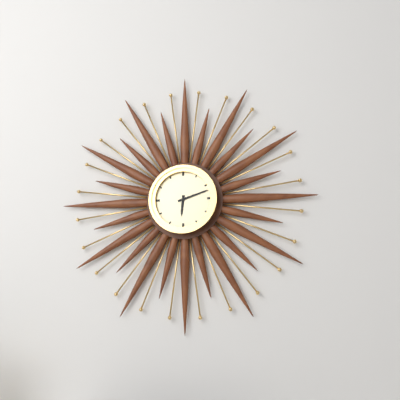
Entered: {"hour": 6, "minute": 12}
